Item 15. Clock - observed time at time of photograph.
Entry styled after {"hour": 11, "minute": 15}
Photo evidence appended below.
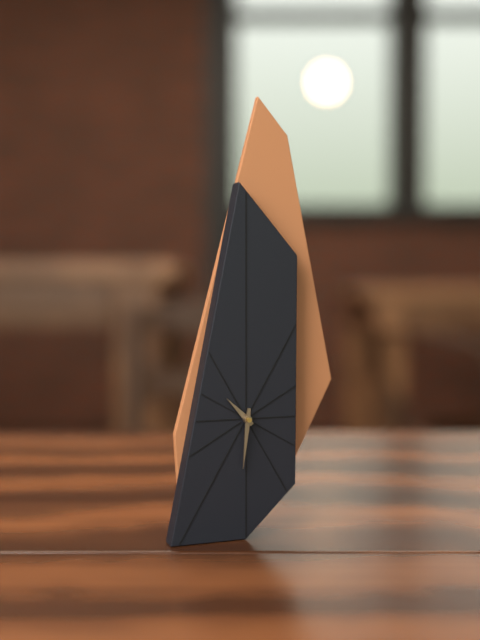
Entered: {"hour": 10, "minute": 31}
